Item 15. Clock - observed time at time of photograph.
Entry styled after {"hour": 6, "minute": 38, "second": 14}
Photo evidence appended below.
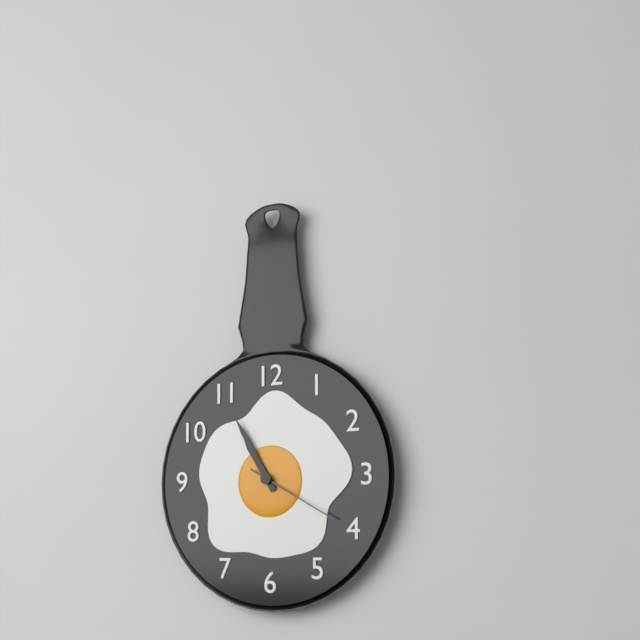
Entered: {"hour": 10, "minute": 55, "second": 20}
